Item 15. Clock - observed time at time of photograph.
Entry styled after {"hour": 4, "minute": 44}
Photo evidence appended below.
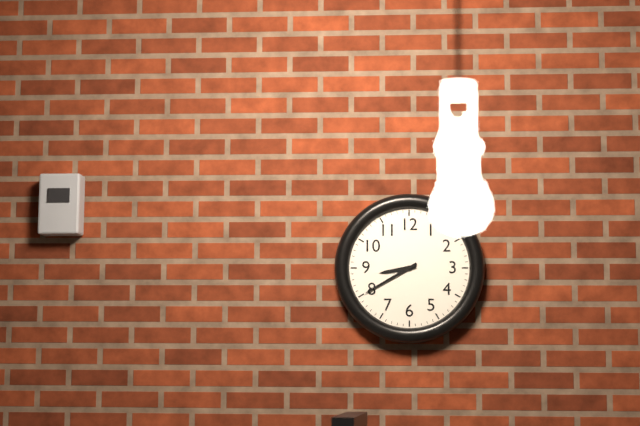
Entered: {"hour": 8, "minute": 40}
